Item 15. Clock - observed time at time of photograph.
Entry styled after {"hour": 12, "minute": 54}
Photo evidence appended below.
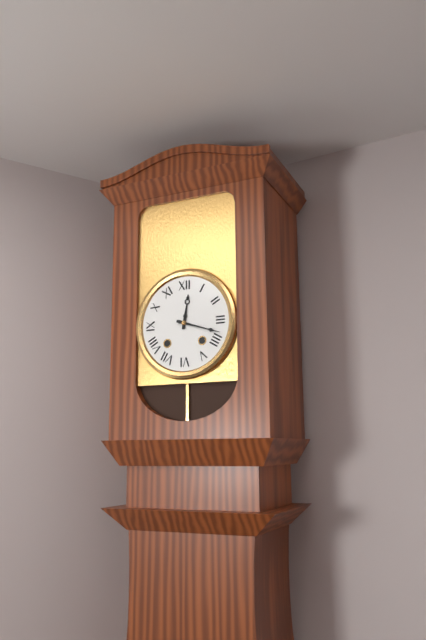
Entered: {"hour": 12, "minute": 18}
